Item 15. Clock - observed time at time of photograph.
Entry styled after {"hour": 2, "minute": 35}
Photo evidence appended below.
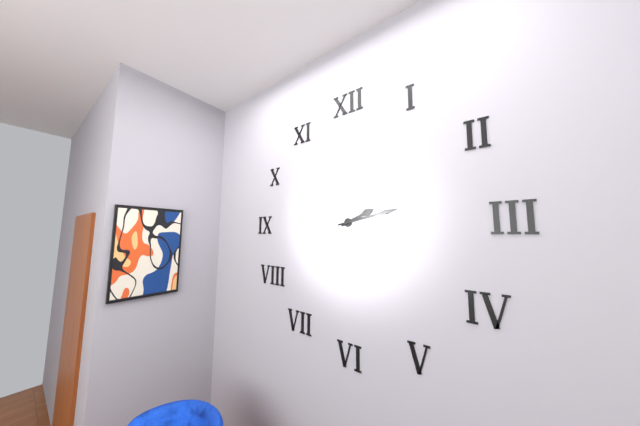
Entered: {"hour": 2, "minute": 13}
